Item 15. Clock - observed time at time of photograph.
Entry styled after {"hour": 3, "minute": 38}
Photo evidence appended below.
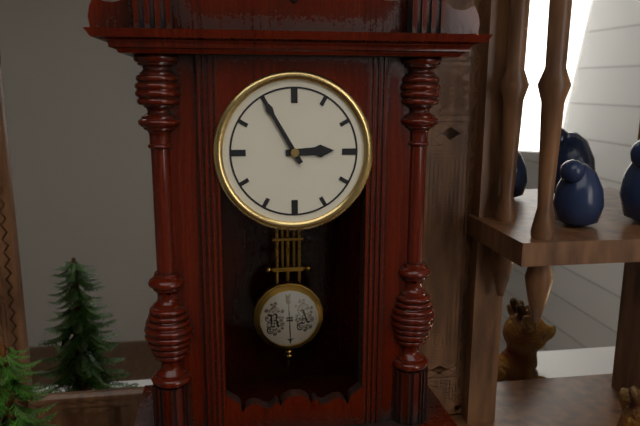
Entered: {"hour": 2, "minute": 55}
